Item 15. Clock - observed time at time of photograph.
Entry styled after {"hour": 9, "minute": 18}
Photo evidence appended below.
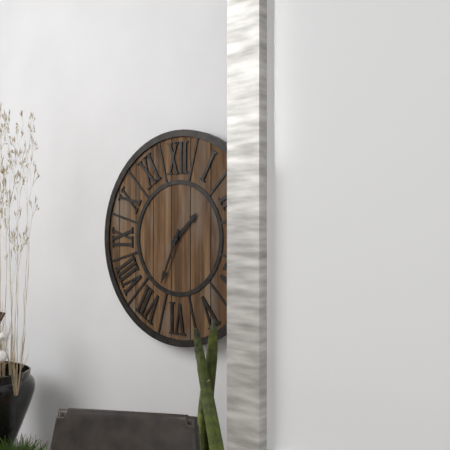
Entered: {"hour": 1, "minute": 34}
